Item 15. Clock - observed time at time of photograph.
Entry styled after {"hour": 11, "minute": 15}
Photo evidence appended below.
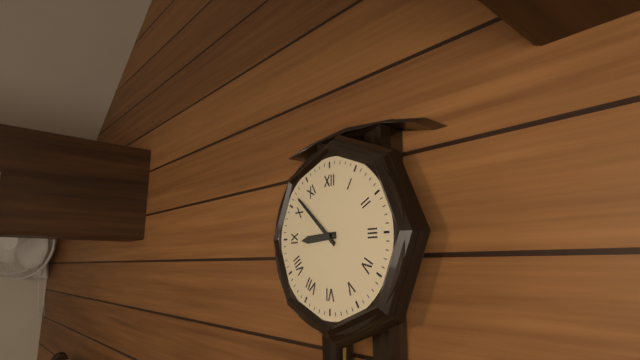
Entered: {"hour": 8, "minute": 52}
